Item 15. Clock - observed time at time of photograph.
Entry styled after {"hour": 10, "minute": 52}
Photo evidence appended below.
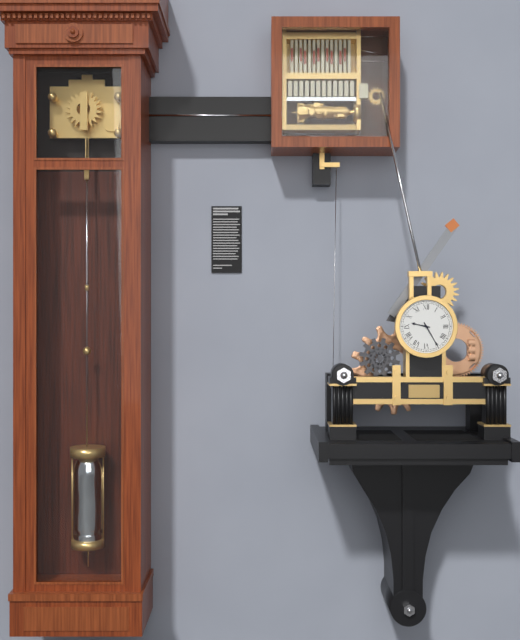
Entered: {"hour": 9, "minute": 25}
